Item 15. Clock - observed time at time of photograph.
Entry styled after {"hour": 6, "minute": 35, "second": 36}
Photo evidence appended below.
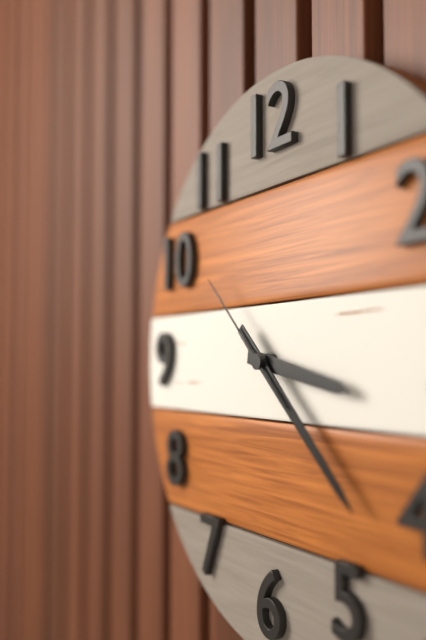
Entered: {"hour": 3, "minute": 22, "second": 52}
